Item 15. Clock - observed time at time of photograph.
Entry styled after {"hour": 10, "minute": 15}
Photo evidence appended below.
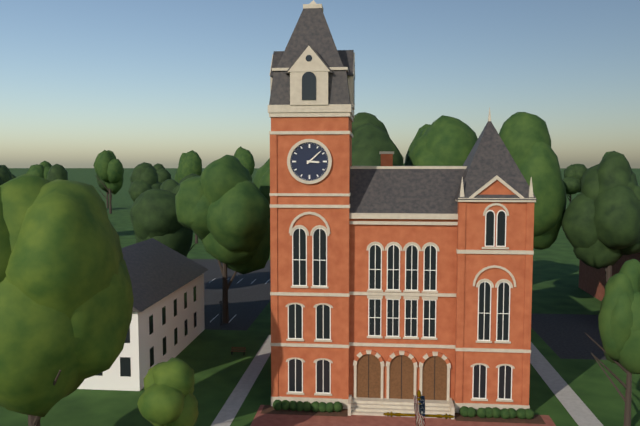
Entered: {"hour": 3, "minute": 8}
